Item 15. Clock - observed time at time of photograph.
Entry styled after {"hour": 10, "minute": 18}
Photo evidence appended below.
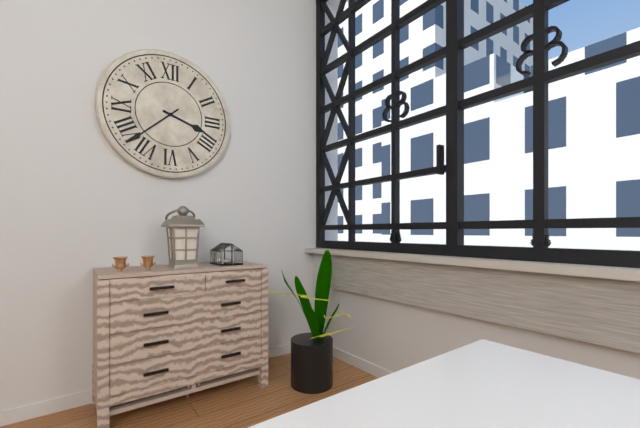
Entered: {"hour": 3, "minute": 38}
